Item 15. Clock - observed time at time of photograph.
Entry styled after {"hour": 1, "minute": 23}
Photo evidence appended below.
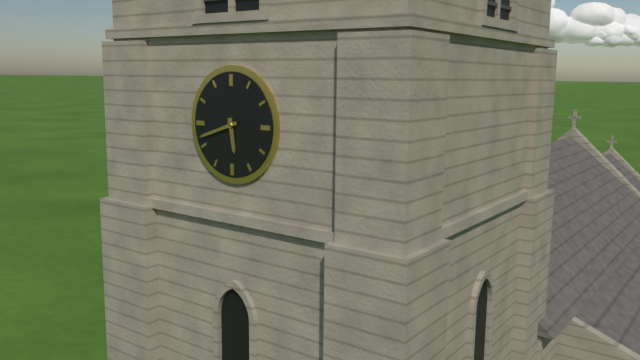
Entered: {"hour": 5, "minute": 42}
